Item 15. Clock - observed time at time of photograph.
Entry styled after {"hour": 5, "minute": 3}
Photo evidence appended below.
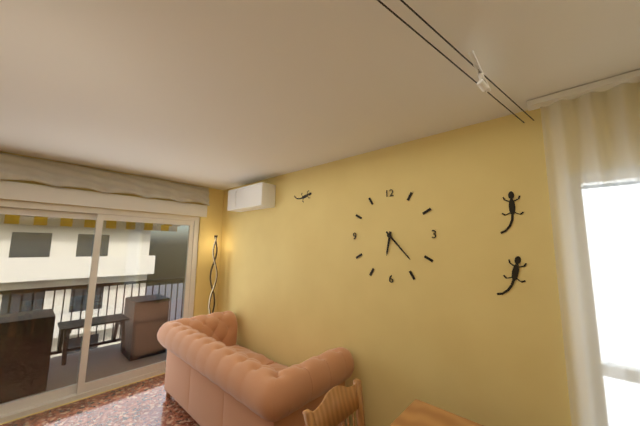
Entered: {"hour": 6, "minute": 23}
